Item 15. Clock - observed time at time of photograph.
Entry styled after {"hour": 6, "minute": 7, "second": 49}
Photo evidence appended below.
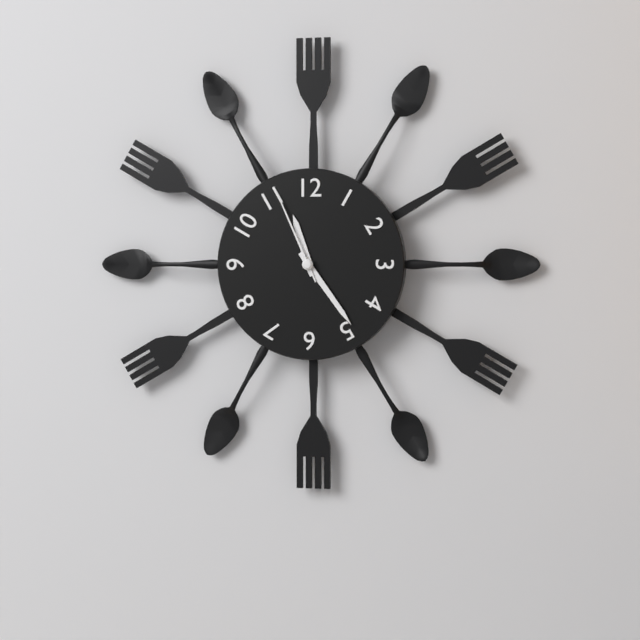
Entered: {"hour": 11, "minute": 24, "second": 56}
